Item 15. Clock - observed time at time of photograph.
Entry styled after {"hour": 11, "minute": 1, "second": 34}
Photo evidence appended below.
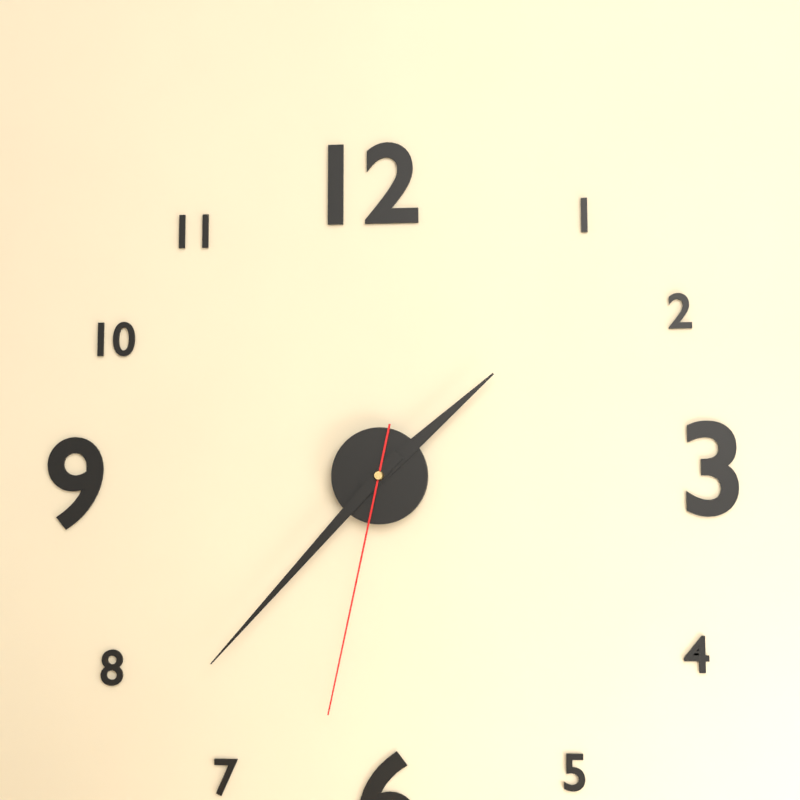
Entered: {"hour": 1, "minute": 37, "second": 32}
